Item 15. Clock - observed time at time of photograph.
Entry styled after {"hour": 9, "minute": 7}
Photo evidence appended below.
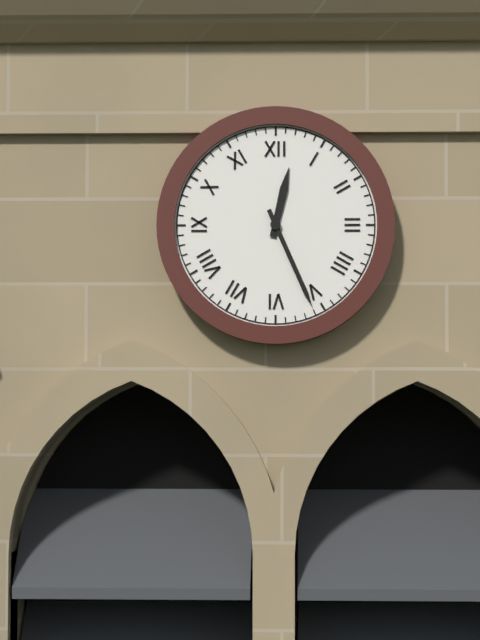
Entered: {"hour": 12, "minute": 26}
